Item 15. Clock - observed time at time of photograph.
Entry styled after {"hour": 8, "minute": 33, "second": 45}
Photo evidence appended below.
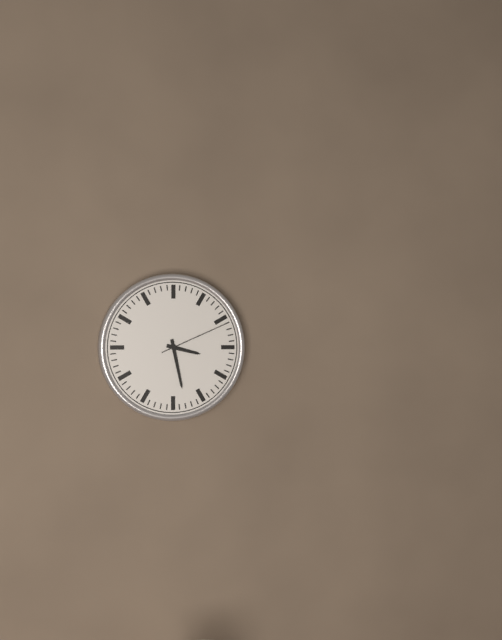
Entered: {"hour": 3, "minute": 28, "second": 11}
